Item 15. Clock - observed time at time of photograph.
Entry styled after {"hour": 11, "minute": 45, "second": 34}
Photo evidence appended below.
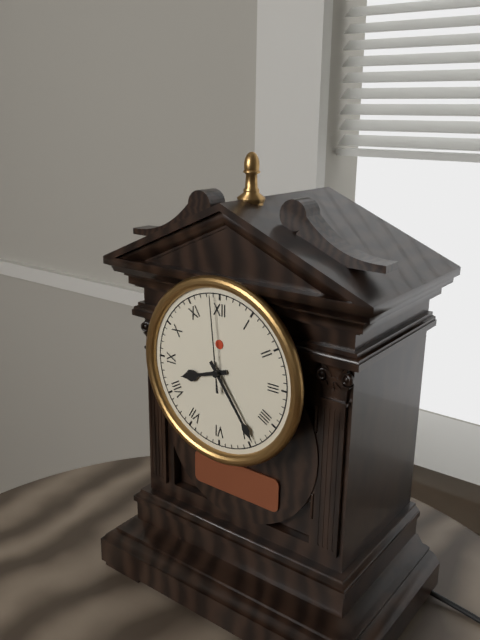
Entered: {"hour": 8, "minute": 24, "second": 59}
